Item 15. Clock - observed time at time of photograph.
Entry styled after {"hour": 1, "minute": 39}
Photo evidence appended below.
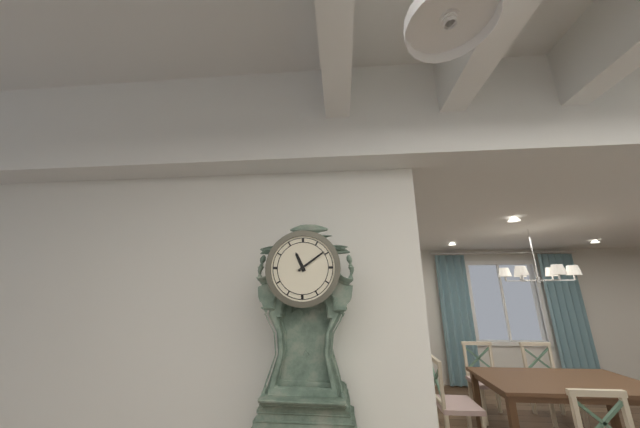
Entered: {"hour": 11, "minute": 9}
